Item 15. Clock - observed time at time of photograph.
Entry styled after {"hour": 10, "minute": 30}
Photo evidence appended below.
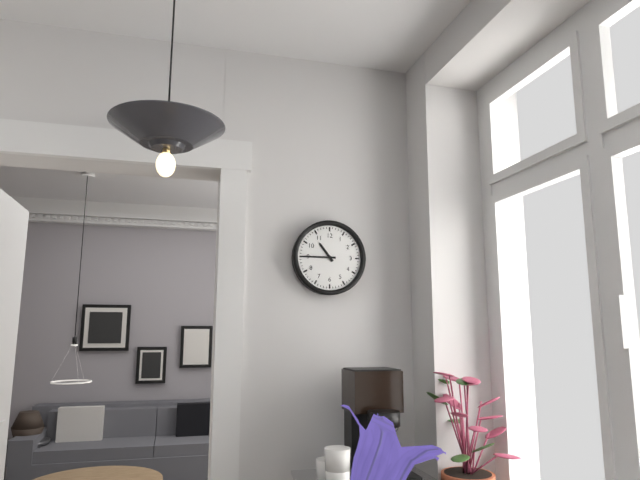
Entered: {"hour": 10, "minute": 45}
